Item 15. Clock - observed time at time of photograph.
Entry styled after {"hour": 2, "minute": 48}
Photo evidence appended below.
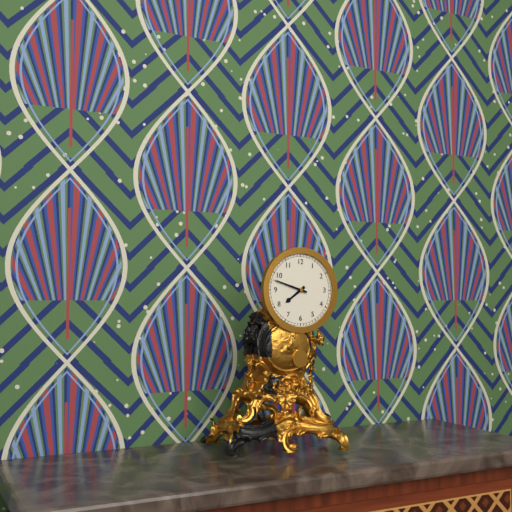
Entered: {"hour": 7, "minute": 48}
